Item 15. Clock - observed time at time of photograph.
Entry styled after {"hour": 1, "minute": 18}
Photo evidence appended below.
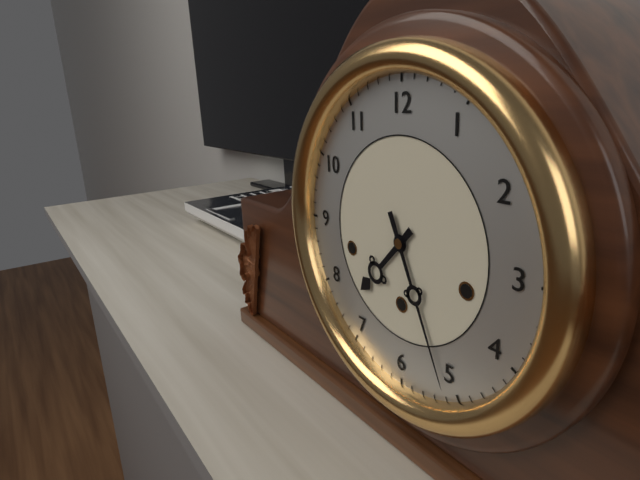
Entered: {"hour": 7, "minute": 26}
